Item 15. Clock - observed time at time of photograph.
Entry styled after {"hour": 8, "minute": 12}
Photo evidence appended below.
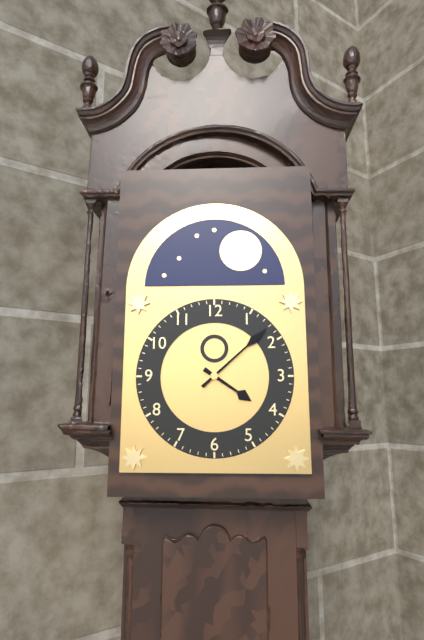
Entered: {"hour": 4, "minute": 8}
